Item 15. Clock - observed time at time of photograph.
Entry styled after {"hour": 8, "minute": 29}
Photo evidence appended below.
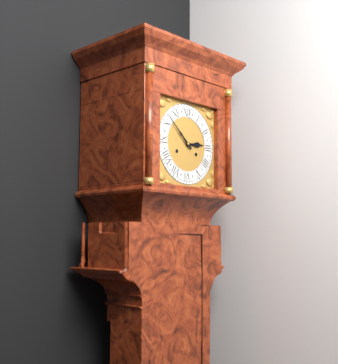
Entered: {"hour": 2, "minute": 52}
